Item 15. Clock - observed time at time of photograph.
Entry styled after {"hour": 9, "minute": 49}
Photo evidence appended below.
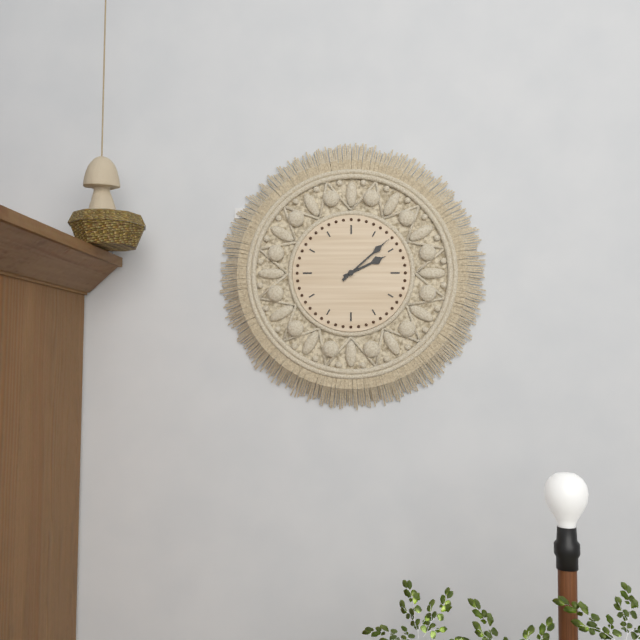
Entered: {"hour": 2, "minute": 8}
